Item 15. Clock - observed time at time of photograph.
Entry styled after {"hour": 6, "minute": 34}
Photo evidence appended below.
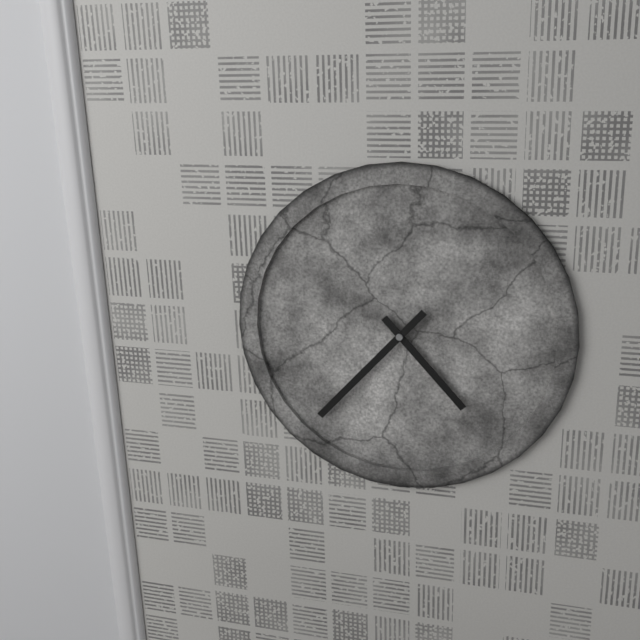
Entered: {"hour": 4, "minute": 37}
